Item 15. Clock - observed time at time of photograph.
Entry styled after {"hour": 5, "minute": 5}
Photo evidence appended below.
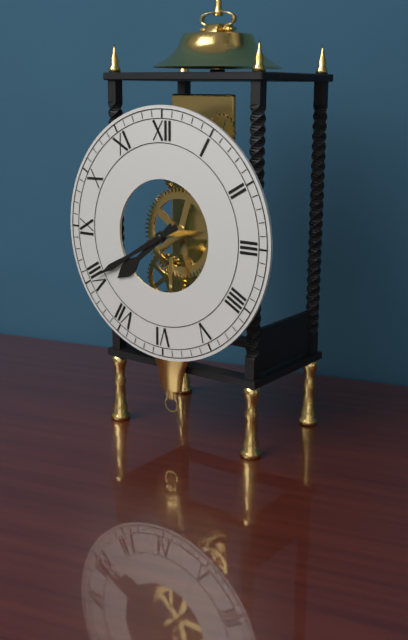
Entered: {"hour": 7, "minute": 40}
